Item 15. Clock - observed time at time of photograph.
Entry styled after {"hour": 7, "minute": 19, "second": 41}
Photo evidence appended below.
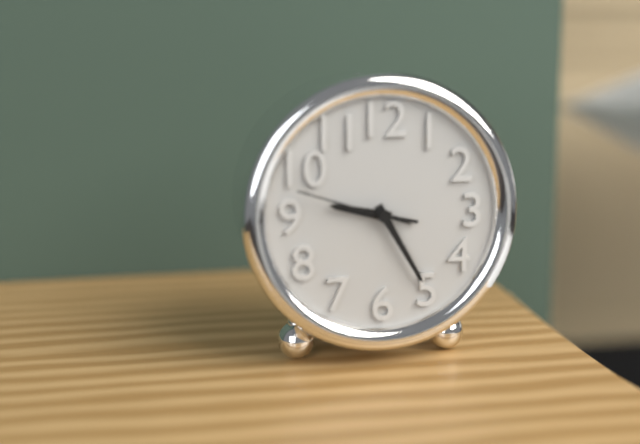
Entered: {"hour": 9, "minute": 25, "second": 48}
